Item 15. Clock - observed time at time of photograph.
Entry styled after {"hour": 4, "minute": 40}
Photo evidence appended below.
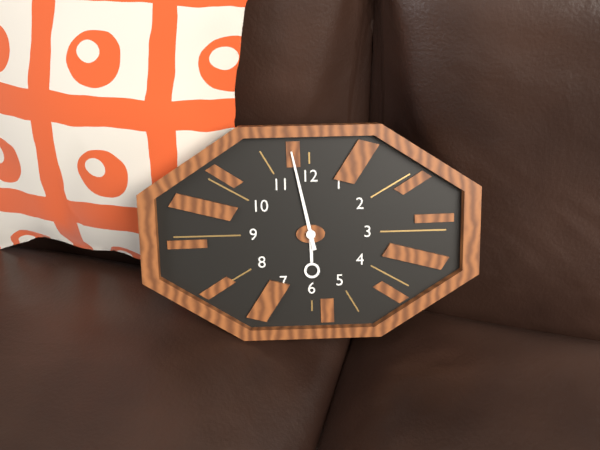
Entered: {"hour": 5, "minute": 58}
